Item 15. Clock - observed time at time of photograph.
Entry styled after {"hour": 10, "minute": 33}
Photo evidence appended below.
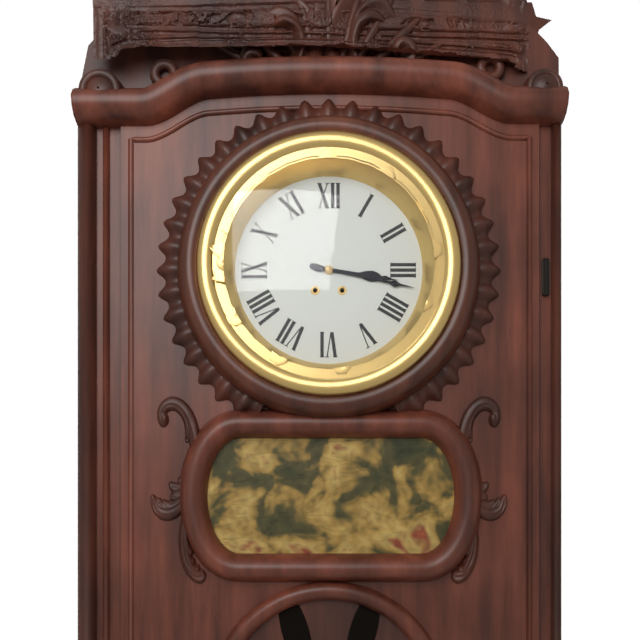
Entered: {"hour": 3, "minute": 17}
